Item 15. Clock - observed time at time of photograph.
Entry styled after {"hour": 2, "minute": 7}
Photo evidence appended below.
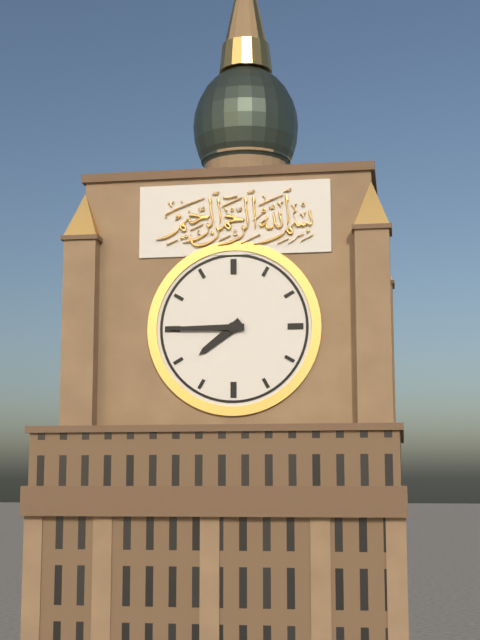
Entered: {"hour": 7, "minute": 45}
